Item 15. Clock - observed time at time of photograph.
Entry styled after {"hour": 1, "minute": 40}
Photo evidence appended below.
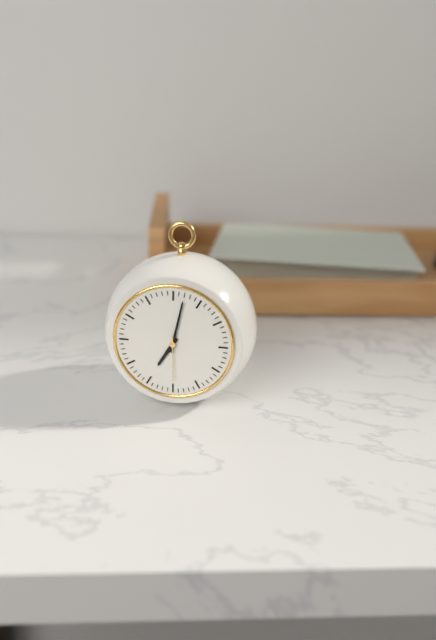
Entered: {"hour": 7, "minute": 2}
